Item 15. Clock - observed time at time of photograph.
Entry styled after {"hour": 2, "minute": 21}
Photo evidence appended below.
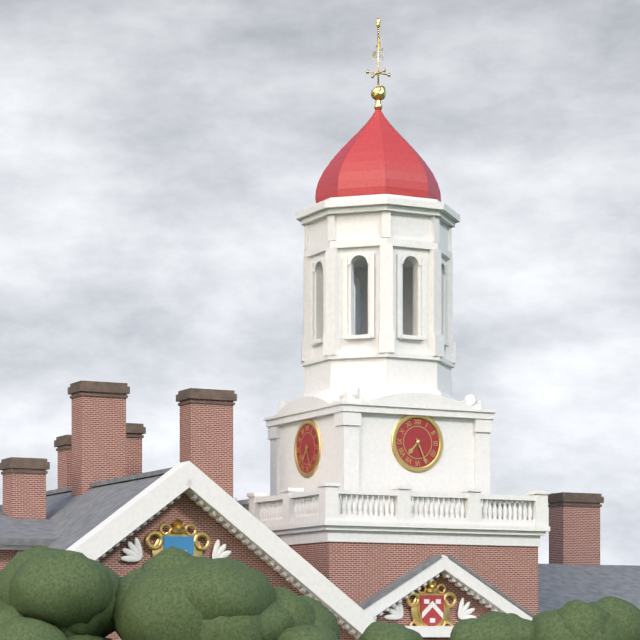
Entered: {"hour": 7, "minute": 26}
